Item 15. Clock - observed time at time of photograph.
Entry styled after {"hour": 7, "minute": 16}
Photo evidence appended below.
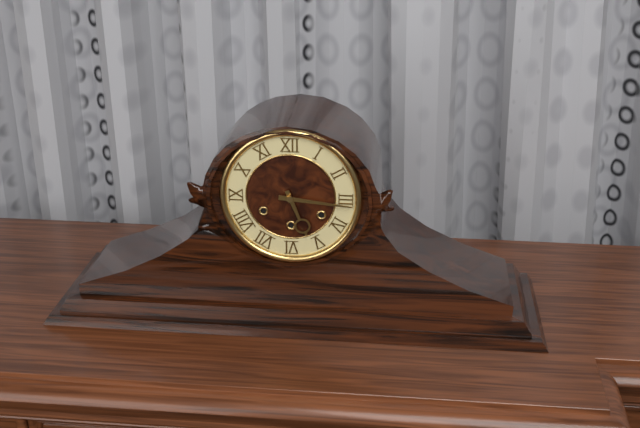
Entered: {"hour": 5, "minute": 16}
